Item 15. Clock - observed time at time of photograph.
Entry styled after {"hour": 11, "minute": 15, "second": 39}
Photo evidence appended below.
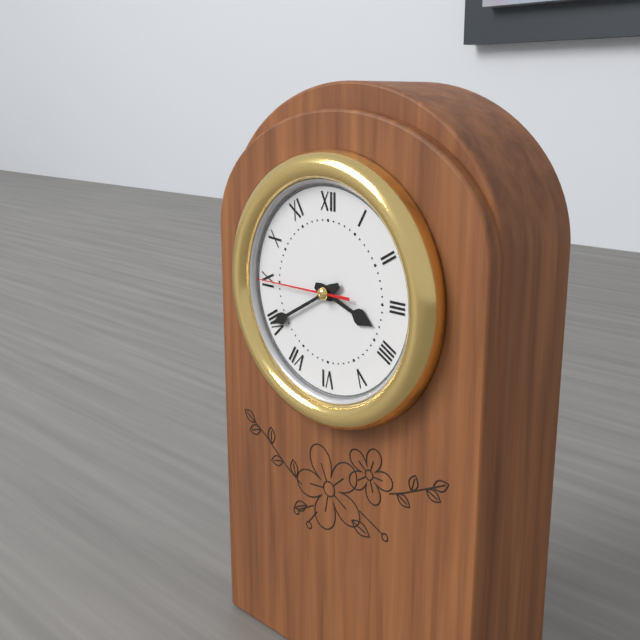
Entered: {"hour": 3, "minute": 40, "second": 45}
